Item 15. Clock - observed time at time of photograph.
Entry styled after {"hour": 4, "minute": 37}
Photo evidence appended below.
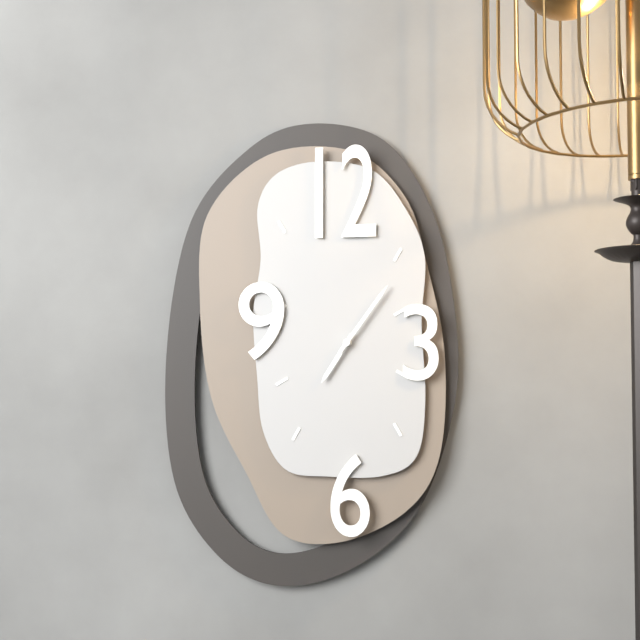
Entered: {"hour": 7, "minute": 6}
